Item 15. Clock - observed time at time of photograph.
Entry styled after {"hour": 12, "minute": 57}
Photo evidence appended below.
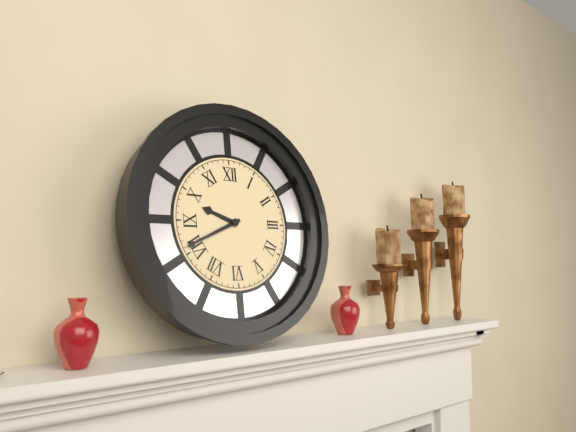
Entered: {"hour": 9, "minute": 41}
